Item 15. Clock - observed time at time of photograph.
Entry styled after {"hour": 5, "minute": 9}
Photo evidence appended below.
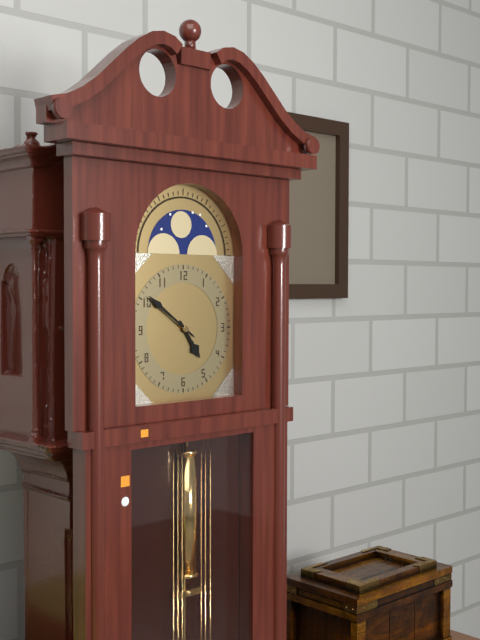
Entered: {"hour": 4, "minute": 51}
